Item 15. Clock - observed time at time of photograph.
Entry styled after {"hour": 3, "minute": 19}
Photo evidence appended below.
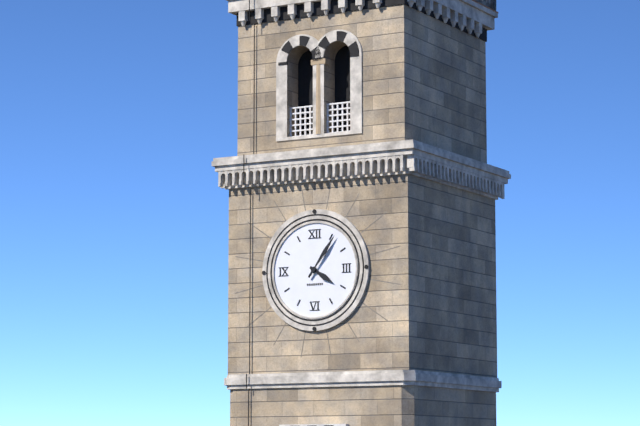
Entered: {"hour": 4, "minute": 6}
